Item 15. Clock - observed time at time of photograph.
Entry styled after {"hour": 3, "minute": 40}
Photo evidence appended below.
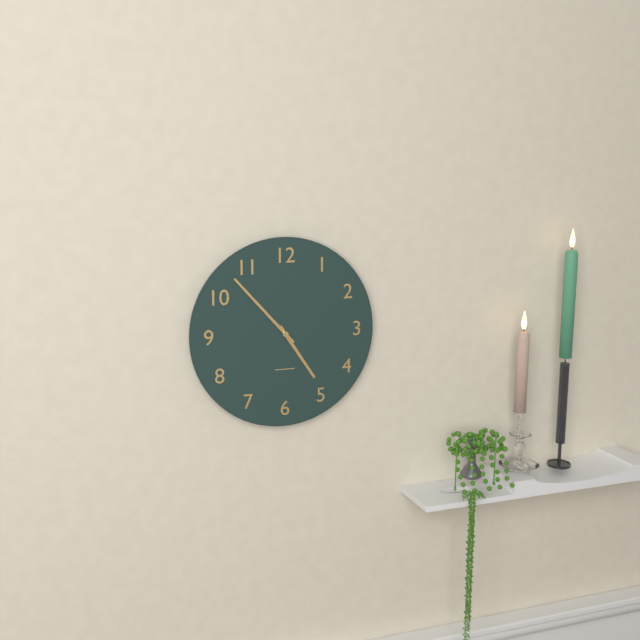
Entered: {"hour": 4, "minute": 53}
